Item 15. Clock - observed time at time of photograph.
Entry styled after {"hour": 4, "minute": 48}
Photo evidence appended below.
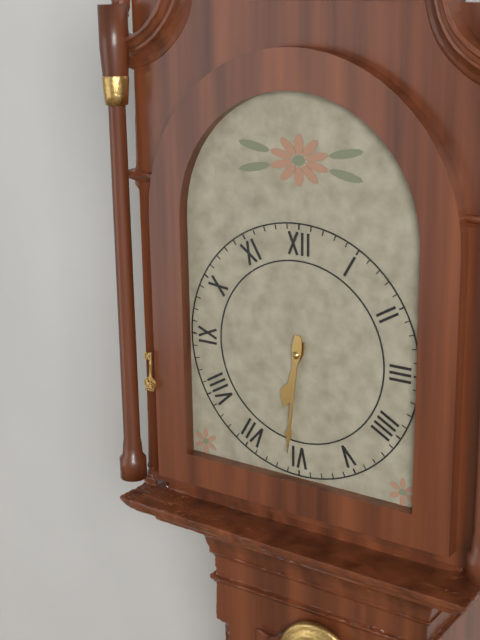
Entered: {"hour": 6, "minute": 31}
